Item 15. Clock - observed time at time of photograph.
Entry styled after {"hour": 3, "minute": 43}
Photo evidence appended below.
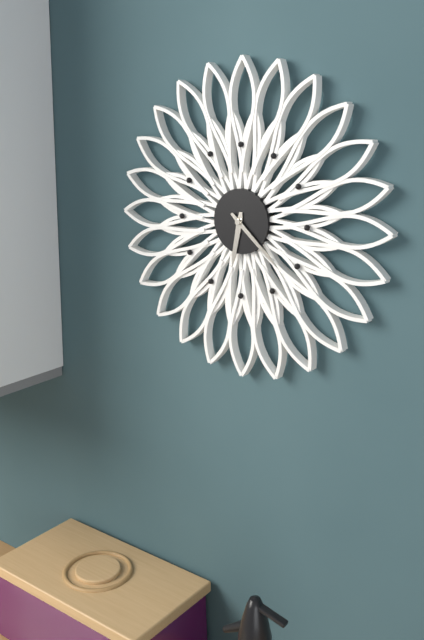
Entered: {"hour": 6, "minute": 22}
